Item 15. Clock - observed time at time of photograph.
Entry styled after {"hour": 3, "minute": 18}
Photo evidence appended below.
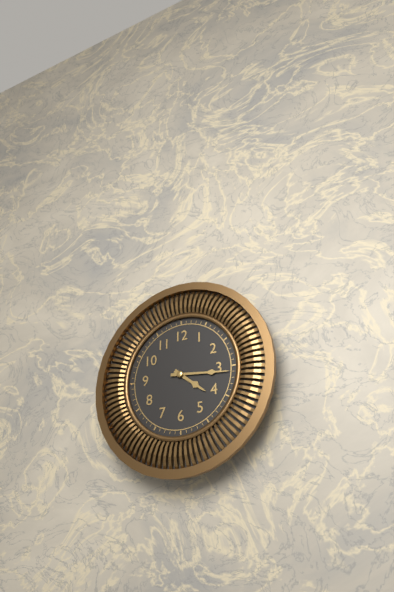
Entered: {"hour": 4, "minute": 16}
